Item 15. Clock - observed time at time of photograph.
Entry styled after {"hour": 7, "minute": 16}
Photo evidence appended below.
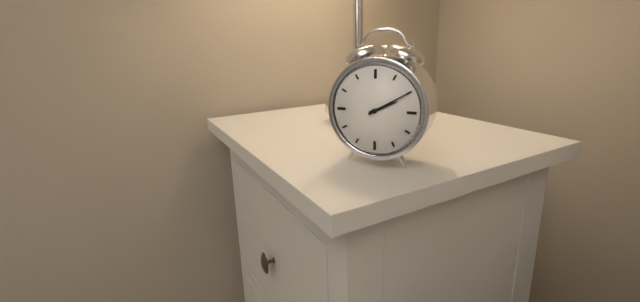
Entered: {"hour": 2, "minute": 10}
